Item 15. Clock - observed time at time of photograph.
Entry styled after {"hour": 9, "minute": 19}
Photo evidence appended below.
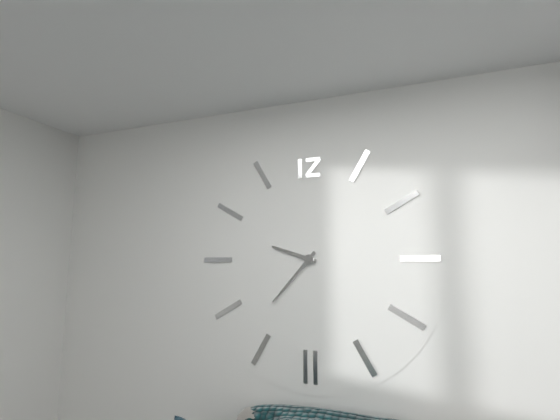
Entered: {"hour": 9, "minute": 37}
